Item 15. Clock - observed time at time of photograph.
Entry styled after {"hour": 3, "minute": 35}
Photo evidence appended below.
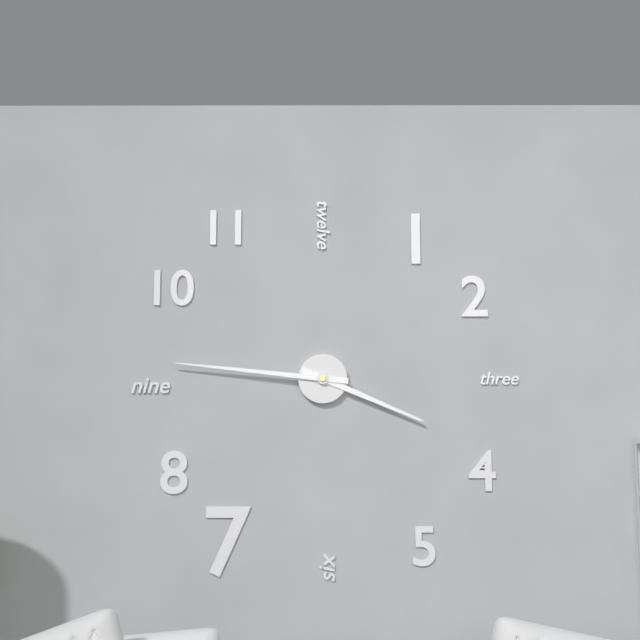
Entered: {"hour": 3, "minute": 46}
